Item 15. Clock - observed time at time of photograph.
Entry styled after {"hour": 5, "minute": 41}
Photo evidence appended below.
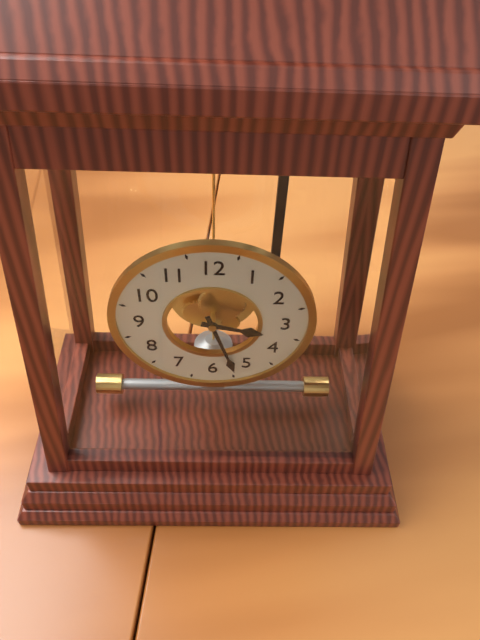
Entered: {"hour": 3, "minute": 27}
